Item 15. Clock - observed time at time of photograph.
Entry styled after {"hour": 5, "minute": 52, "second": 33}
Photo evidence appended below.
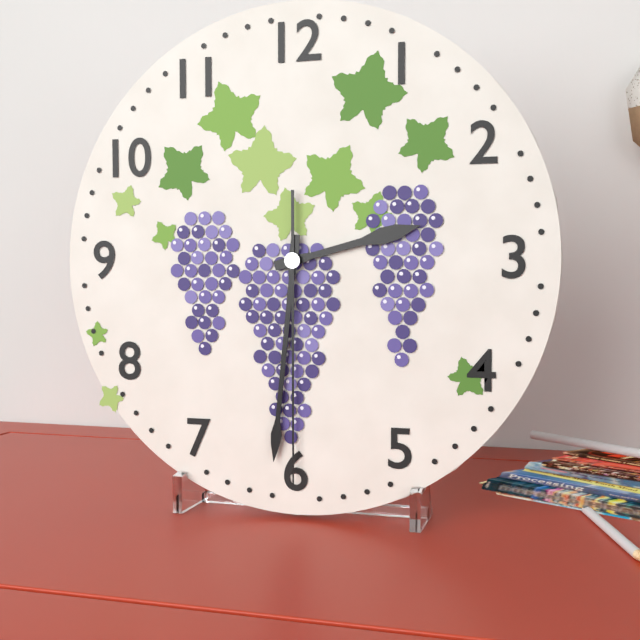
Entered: {"hour": 2, "minute": 31, "second": 30}
